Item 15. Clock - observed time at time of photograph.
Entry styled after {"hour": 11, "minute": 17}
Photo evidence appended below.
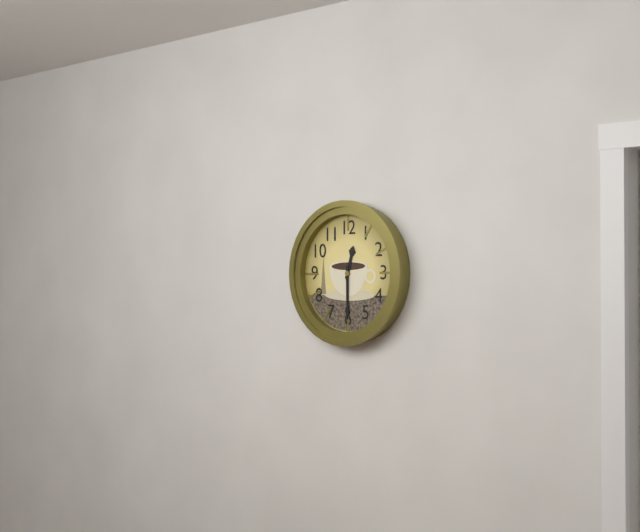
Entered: {"hour": 12, "minute": 30}
